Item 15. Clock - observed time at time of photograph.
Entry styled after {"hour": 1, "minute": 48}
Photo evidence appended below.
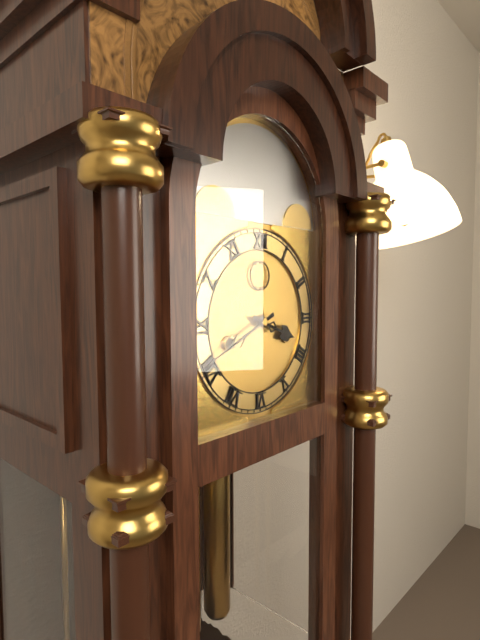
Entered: {"hour": 3, "minute": 41}
